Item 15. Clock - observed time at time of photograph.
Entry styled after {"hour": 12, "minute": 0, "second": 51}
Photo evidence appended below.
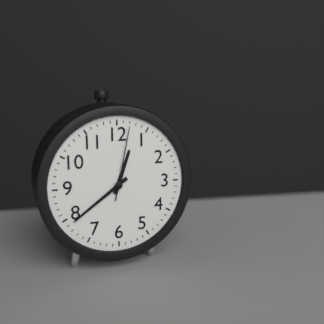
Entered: {"hour": 12, "minute": 39, "second": 2}
